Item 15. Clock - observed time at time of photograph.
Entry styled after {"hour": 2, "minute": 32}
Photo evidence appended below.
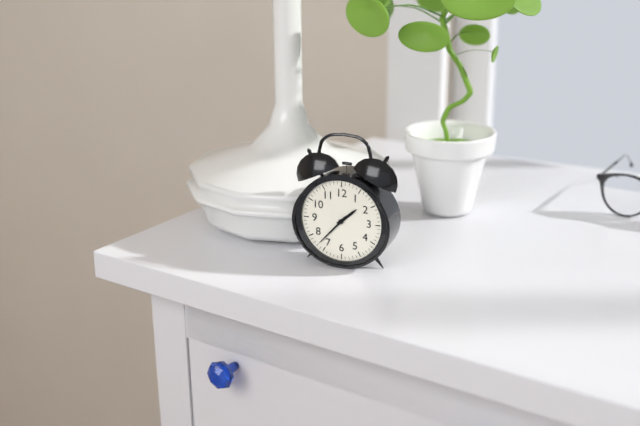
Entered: {"hour": 1, "minute": 37}
